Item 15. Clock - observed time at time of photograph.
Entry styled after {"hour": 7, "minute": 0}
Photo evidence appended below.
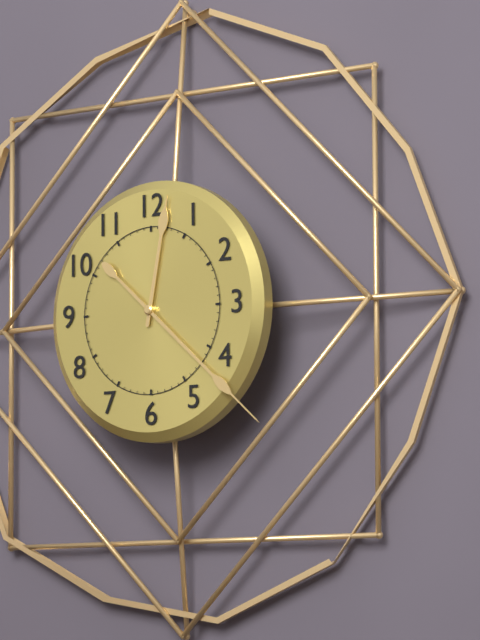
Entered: {"hour": 12, "minute": 22}
